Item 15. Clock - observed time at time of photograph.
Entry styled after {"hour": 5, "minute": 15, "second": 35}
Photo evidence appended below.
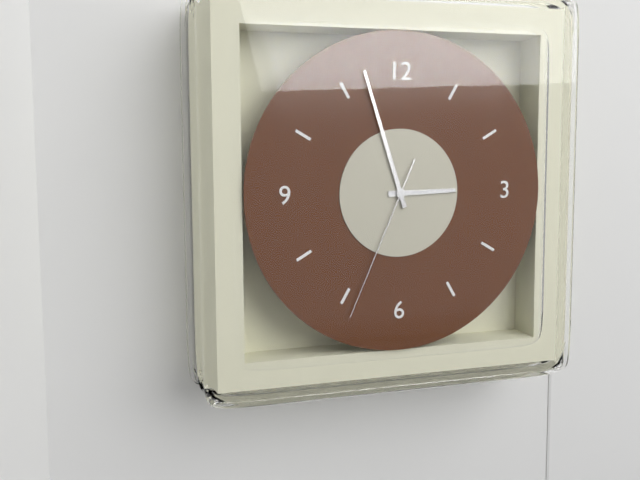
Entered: {"hour": 2, "minute": 57, "second": 34}
